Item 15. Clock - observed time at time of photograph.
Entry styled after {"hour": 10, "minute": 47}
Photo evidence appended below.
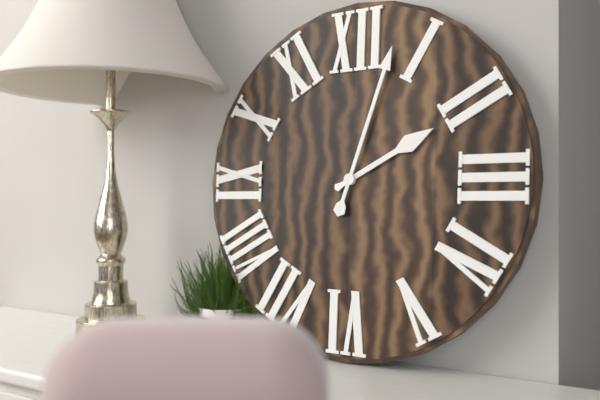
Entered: {"hour": 2, "minute": 3}
